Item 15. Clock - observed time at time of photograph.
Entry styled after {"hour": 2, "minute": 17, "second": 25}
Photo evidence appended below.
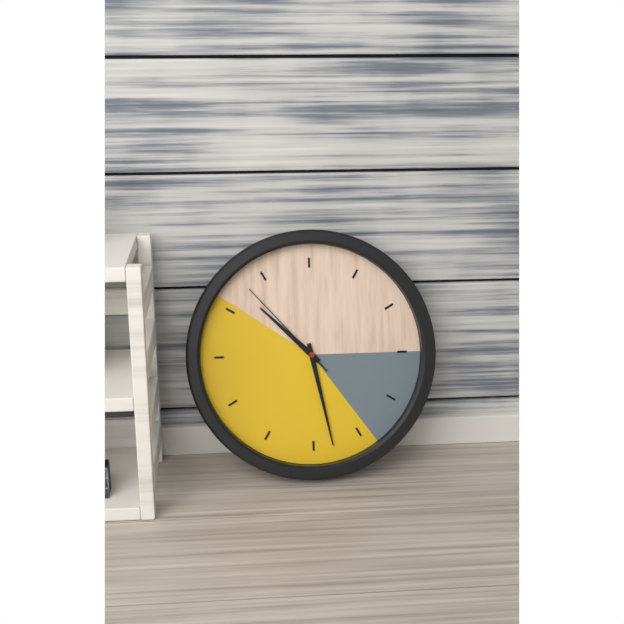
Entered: {"hour": 10, "minute": 28, "second": 53}
